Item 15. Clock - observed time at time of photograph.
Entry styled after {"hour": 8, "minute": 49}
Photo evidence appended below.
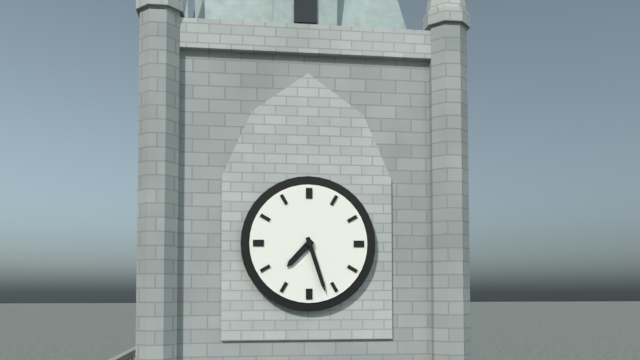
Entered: {"hour": 7, "minute": 27}
